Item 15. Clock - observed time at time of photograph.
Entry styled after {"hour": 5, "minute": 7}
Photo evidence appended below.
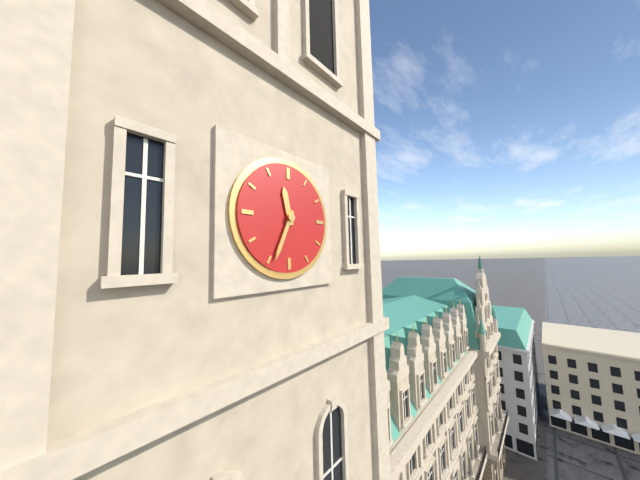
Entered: {"hour": 11, "minute": 34}
